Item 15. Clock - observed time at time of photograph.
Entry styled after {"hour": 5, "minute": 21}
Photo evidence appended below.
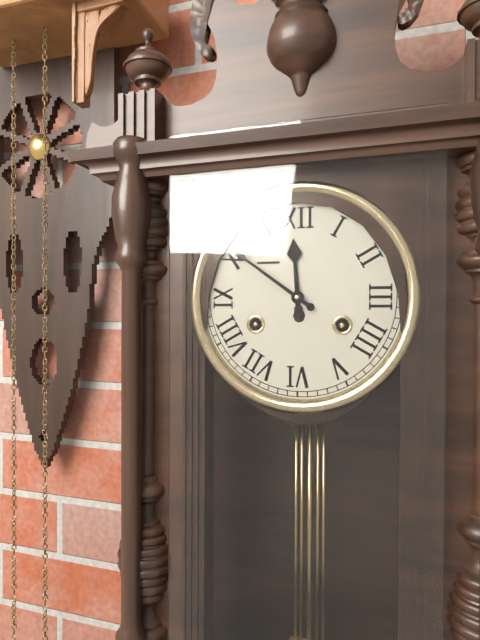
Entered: {"hour": 11, "minute": 51}
